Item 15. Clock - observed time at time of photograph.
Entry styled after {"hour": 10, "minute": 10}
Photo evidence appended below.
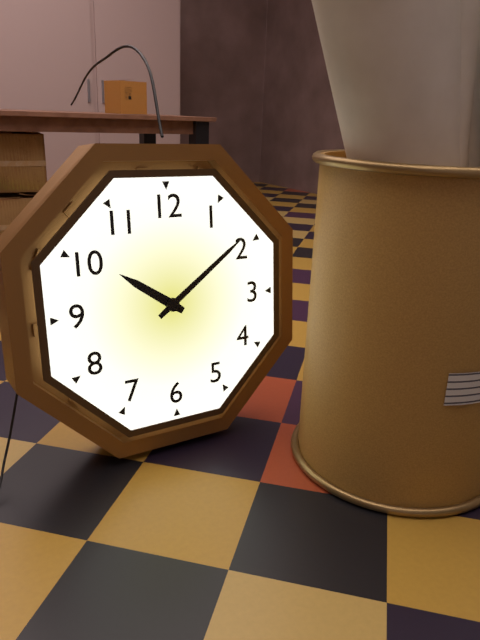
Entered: {"hour": 10, "minute": 9}
